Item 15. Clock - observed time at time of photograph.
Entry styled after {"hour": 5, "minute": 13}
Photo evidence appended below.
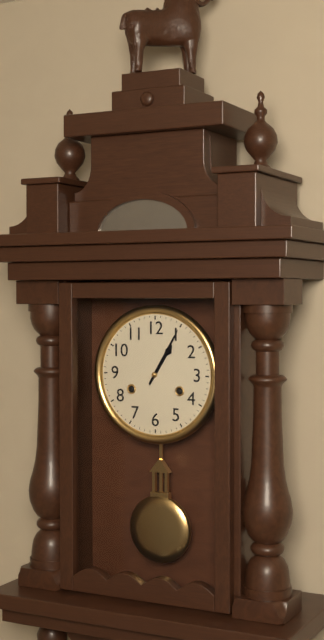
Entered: {"hour": 1, "minute": 5}
